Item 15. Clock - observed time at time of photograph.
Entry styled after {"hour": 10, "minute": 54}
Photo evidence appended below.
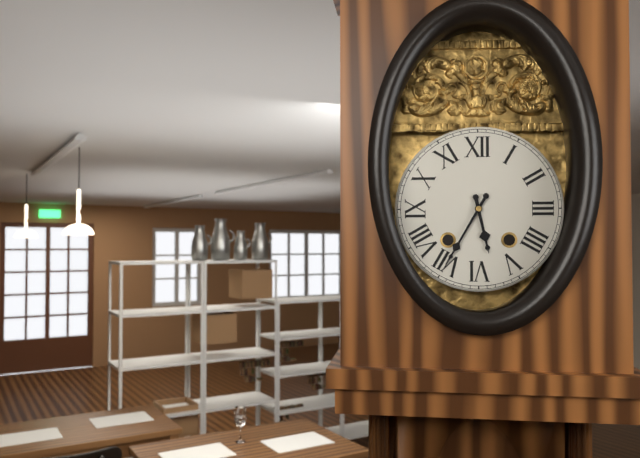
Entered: {"hour": 5, "minute": 35}
